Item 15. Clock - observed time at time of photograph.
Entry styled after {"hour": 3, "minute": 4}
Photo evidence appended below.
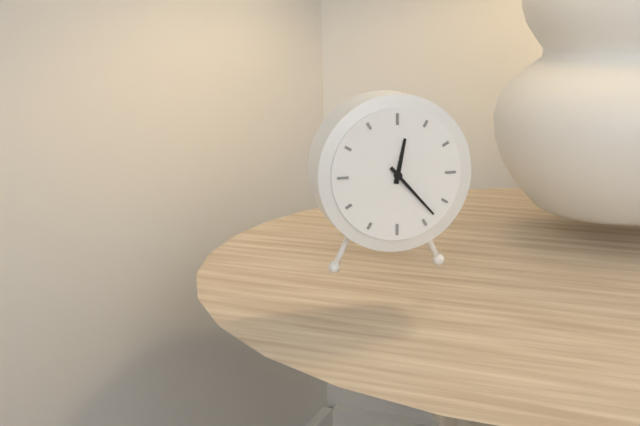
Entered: {"hour": 12, "minute": 23}
